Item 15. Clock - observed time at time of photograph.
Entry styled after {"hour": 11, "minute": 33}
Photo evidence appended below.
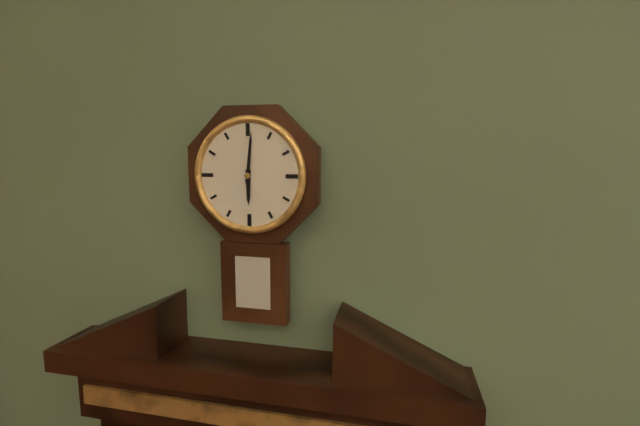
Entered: {"hour": 6, "minute": 1}
